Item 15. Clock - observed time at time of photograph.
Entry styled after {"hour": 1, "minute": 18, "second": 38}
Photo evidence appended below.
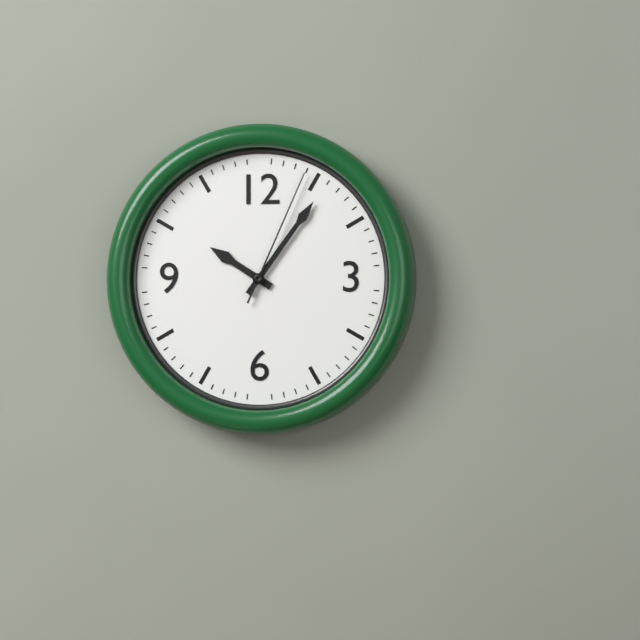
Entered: {"hour": 10, "minute": 6, "second": 4}
